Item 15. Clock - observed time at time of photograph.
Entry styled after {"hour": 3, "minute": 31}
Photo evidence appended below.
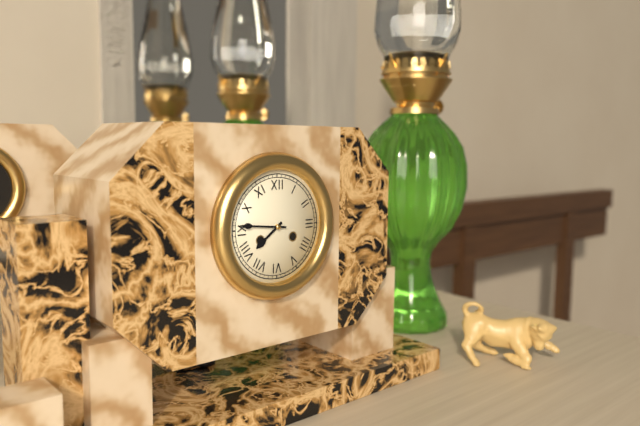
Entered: {"hour": 7, "minute": 46}
